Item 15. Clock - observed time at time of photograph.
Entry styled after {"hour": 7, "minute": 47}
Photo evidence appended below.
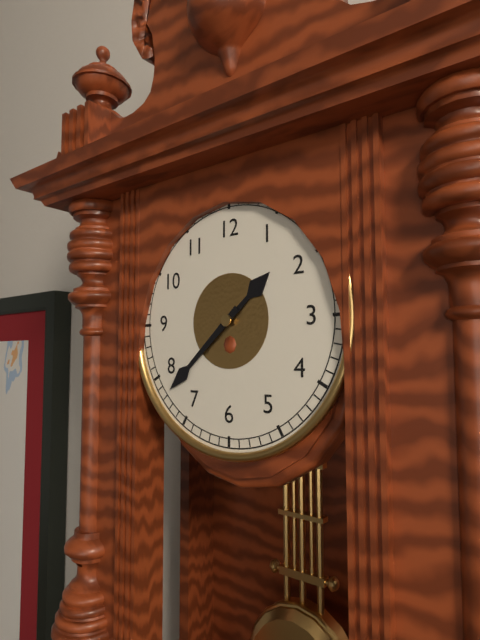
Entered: {"hour": 1, "minute": 38}
